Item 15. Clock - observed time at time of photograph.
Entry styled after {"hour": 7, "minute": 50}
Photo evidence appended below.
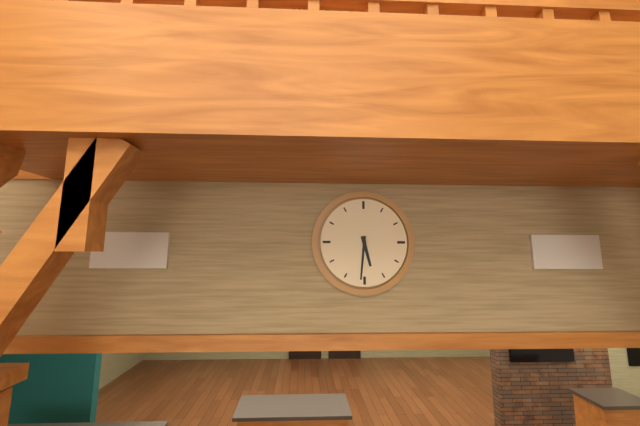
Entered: {"hour": 5, "minute": 31}
